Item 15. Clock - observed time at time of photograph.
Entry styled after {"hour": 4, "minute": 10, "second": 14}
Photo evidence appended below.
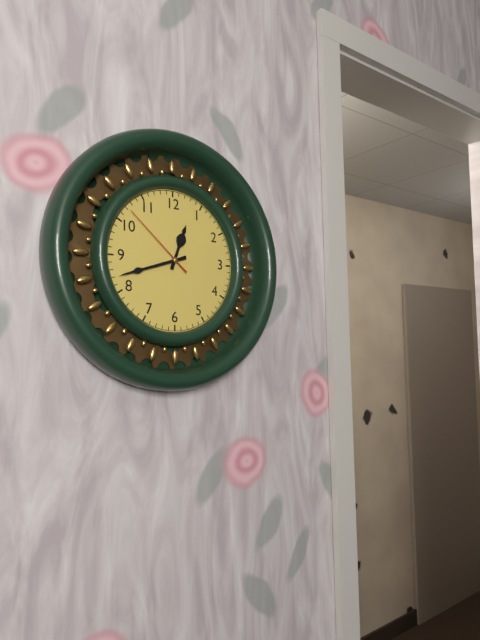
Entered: {"hour": 12, "minute": 42, "second": 52}
